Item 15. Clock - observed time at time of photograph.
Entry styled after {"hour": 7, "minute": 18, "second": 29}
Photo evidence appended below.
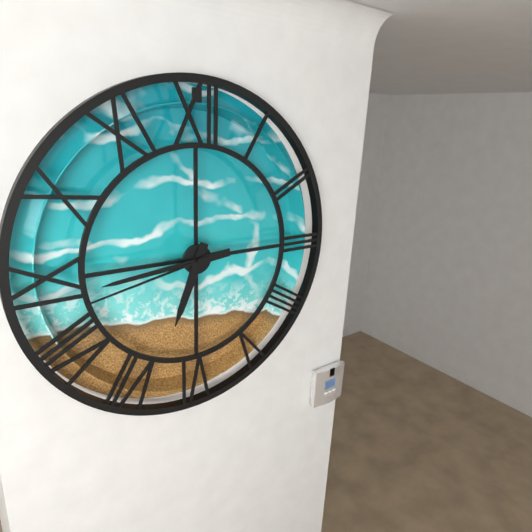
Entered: {"hour": 6, "minute": 44, "second": 43}
